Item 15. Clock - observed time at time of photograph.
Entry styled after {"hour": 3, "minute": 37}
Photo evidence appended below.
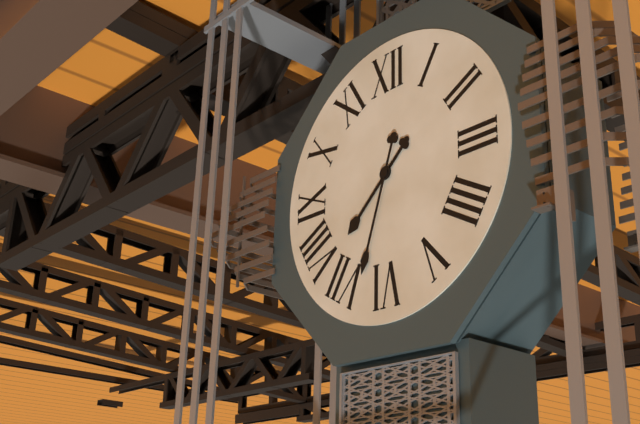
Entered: {"hour": 7, "minute": 33}
